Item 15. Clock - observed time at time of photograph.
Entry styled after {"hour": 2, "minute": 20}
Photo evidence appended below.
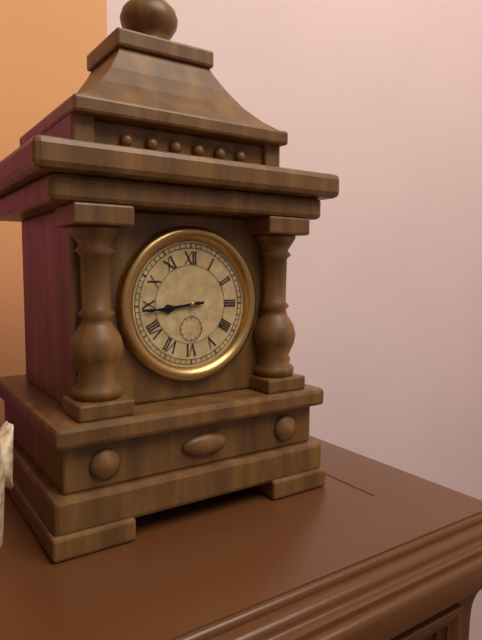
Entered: {"hour": 8, "minute": 44}
